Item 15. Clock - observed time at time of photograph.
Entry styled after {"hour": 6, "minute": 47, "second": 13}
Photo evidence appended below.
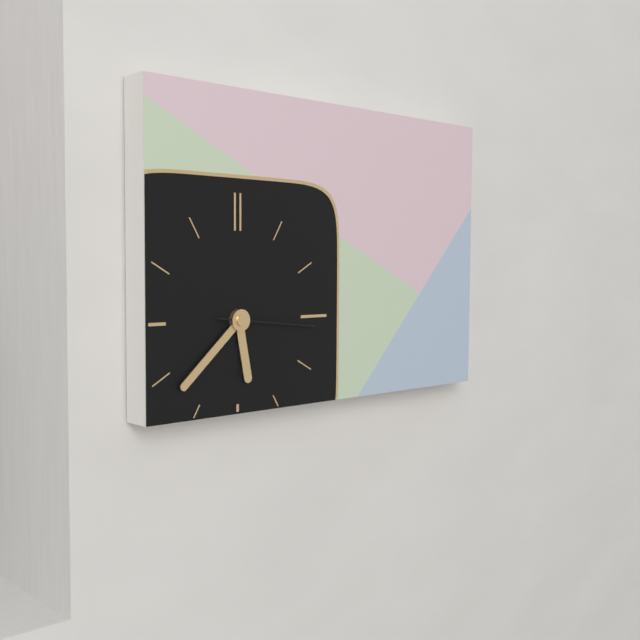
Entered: {"hour": 5, "minute": 38, "second": 16}
